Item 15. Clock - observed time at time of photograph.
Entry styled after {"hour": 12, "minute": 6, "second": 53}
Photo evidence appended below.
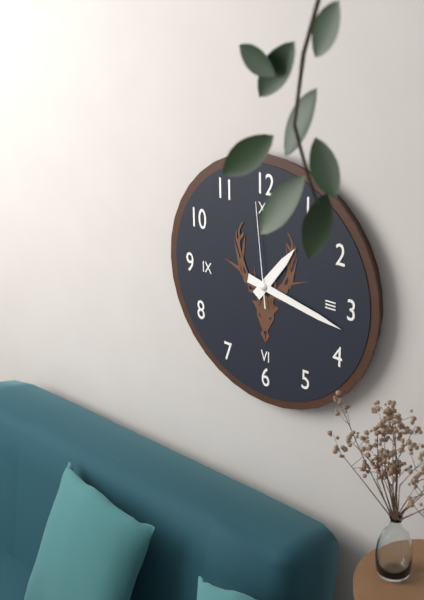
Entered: {"hour": 1, "minute": 17, "second": 59}
